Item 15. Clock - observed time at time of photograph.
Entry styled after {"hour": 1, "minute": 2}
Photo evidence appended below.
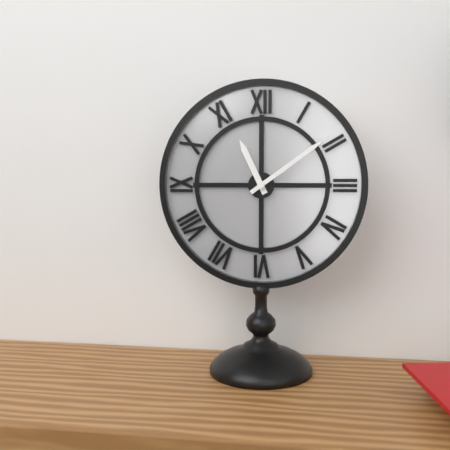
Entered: {"hour": 11, "minute": 9}
